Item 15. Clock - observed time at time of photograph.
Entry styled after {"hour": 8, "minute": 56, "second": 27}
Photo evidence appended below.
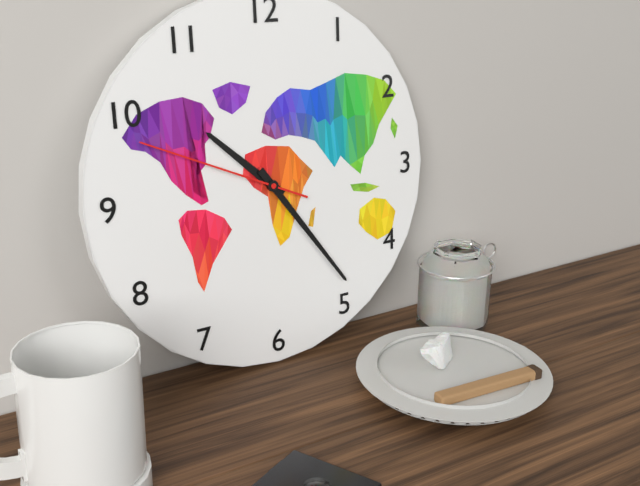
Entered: {"hour": 10, "minute": 24, "second": 49}
